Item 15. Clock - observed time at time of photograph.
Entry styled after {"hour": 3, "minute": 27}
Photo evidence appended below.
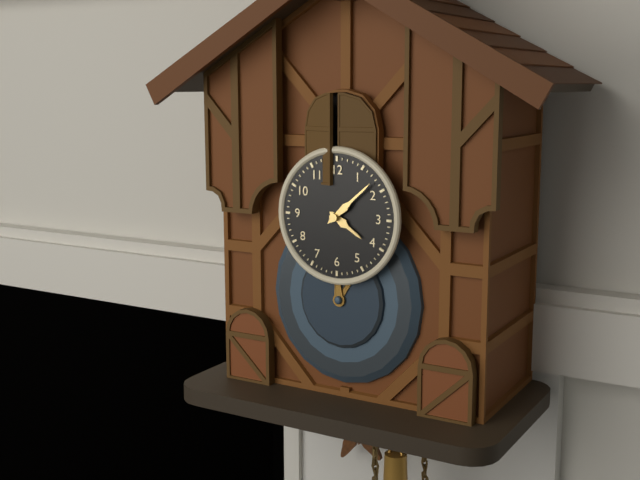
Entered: {"hour": 4, "minute": 8}
